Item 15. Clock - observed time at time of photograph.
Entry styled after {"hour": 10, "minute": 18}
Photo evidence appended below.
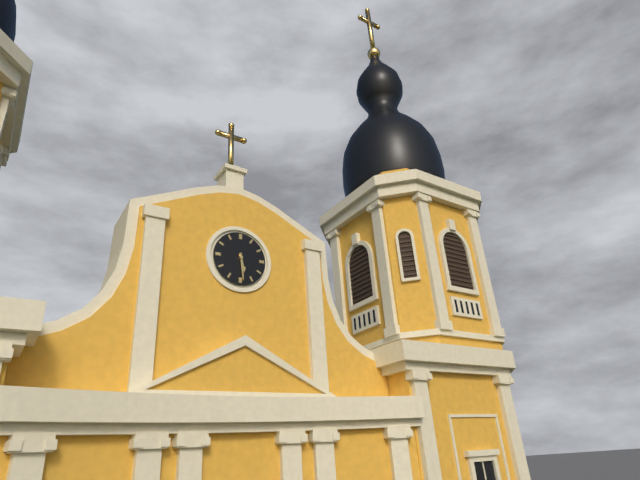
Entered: {"hour": 5, "minute": 29}
